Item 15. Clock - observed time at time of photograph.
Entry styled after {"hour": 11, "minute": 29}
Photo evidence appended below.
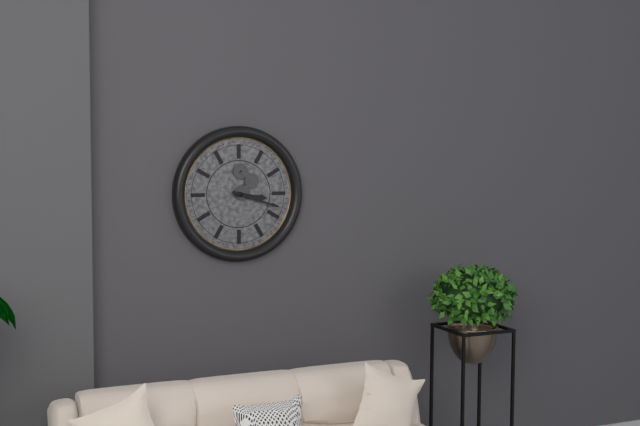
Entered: {"hour": 3, "minute": 18}
